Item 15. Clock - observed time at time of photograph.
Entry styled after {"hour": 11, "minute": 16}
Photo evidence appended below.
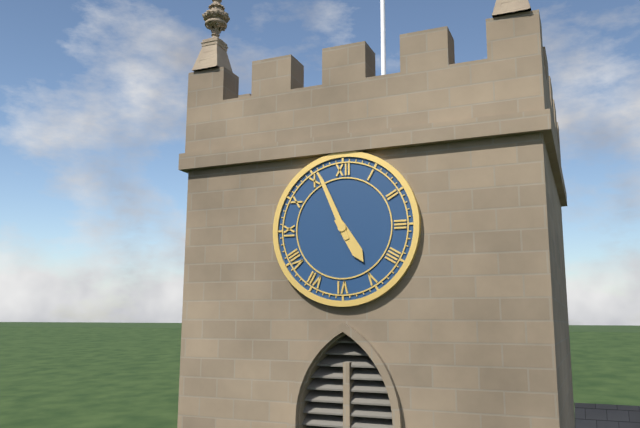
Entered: {"hour": 4, "minute": 56}
